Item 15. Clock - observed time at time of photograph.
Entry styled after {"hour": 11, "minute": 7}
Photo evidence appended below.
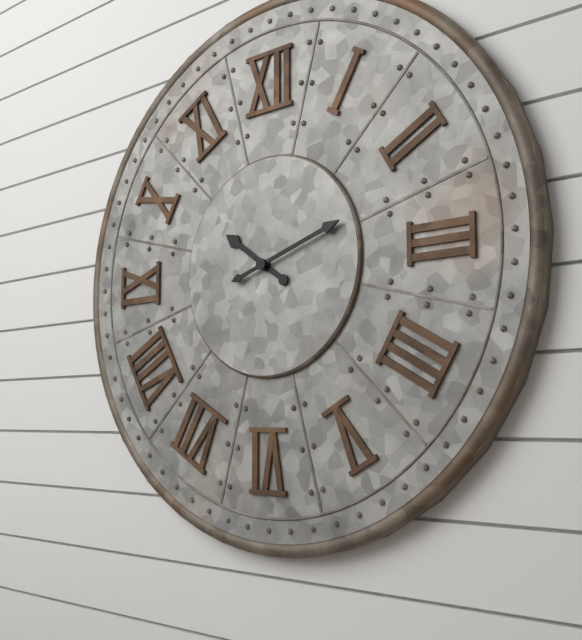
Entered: {"hour": 10, "minute": 12}
